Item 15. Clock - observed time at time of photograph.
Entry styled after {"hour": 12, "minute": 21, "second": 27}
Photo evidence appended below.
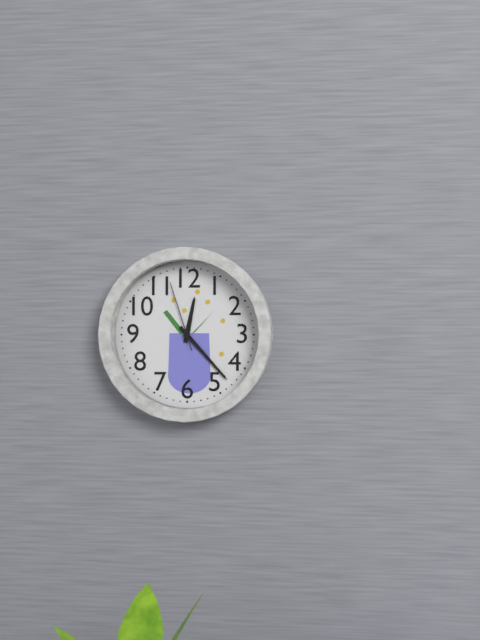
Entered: {"hour": 12, "minute": 23, "second": 57}
